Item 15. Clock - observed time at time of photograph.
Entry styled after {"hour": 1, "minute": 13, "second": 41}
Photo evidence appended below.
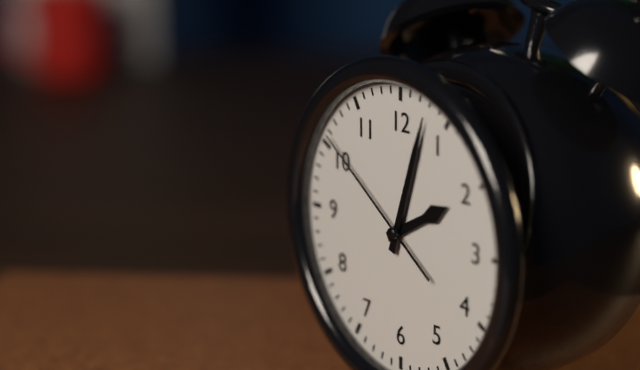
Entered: {"hour": 2, "minute": 3, "second": 51}
